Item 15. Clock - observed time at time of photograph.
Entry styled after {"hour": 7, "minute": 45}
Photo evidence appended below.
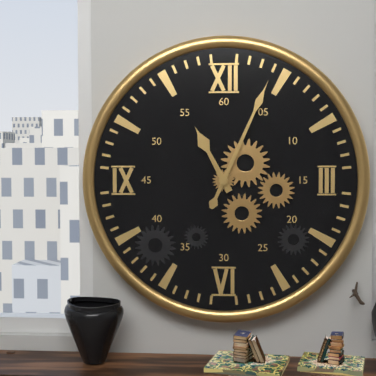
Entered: {"hour": 11, "minute": 4}
